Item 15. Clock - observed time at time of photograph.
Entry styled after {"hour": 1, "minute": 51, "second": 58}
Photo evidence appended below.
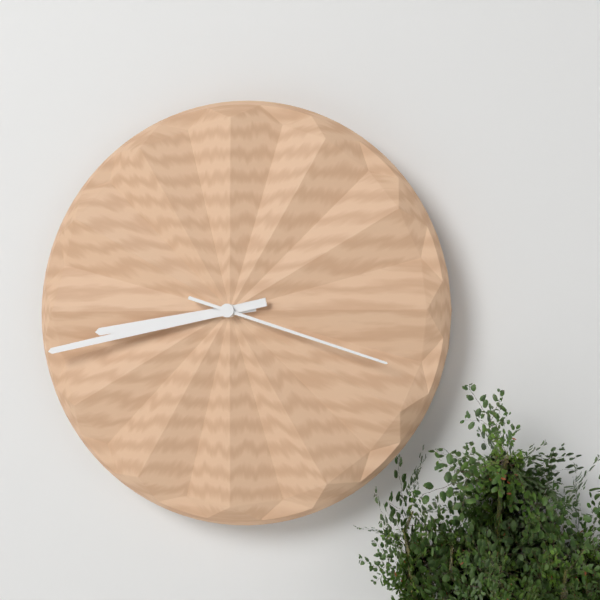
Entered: {"hour": 8, "minute": 43, "second": 18}
